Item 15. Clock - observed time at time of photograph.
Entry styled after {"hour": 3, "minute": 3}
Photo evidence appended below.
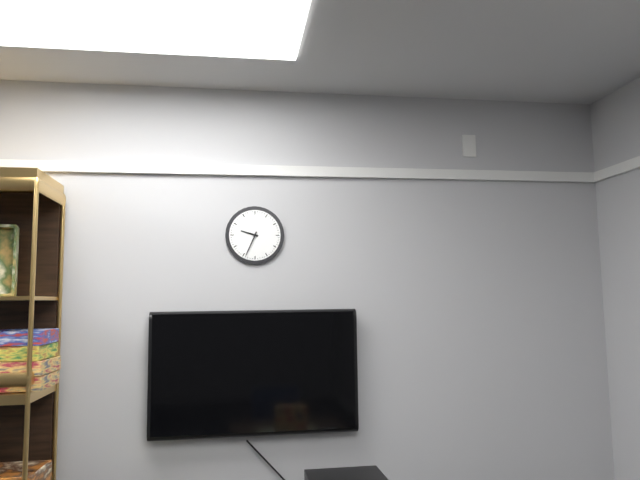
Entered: {"hour": 9, "minute": 34}
